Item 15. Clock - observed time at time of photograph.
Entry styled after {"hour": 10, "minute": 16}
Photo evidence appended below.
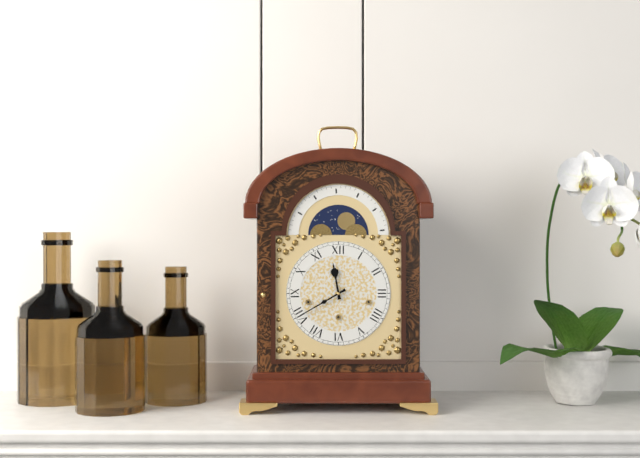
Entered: {"hour": 11, "minute": 40}
